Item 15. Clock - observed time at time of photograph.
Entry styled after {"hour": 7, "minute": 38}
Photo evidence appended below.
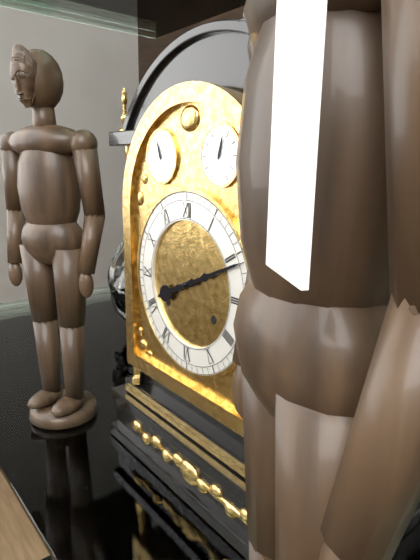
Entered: {"hour": 8, "minute": 11}
